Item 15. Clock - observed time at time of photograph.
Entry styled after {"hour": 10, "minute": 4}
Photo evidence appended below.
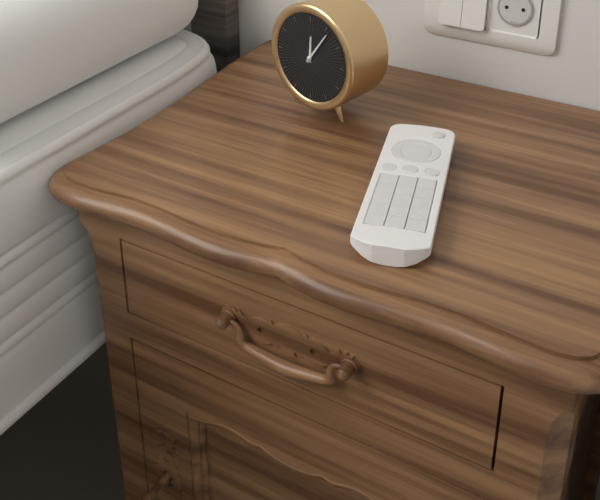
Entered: {"hour": 12, "minute": 6}
